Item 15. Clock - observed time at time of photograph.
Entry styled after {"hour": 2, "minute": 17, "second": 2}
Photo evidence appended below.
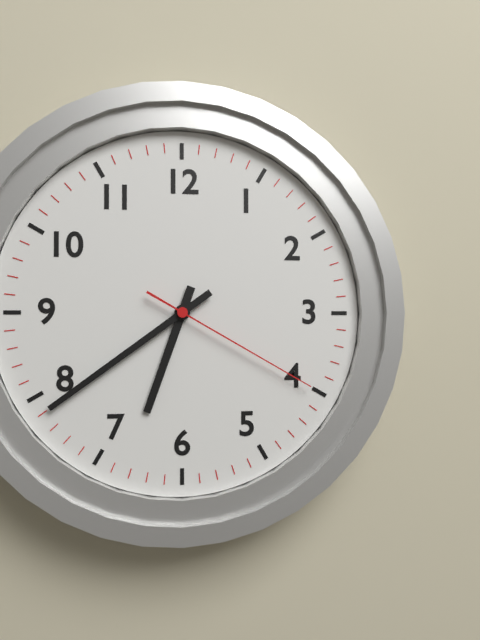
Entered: {"hour": 6, "minute": 39, "second": 20}
